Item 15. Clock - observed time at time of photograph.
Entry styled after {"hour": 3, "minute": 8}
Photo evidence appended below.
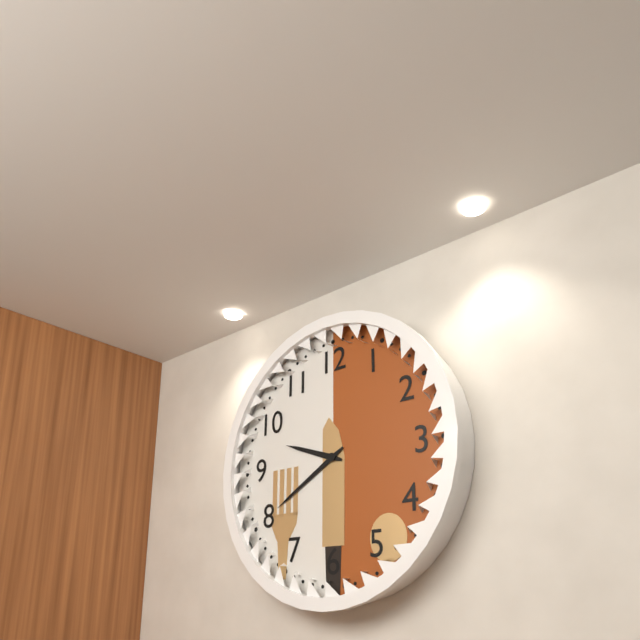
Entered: {"hour": 9, "minute": 40}
